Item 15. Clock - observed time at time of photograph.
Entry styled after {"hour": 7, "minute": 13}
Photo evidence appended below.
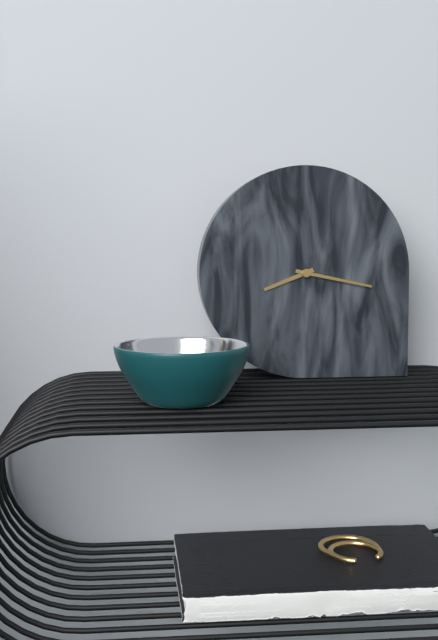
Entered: {"hour": 8, "minute": 17}
